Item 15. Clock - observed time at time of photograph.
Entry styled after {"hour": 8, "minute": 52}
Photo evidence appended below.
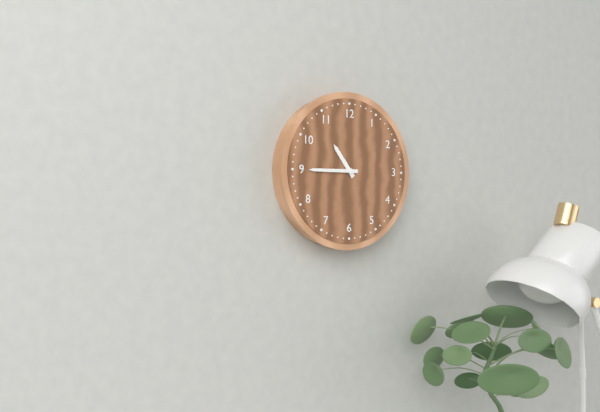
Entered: {"hour": 10, "minute": 45}
